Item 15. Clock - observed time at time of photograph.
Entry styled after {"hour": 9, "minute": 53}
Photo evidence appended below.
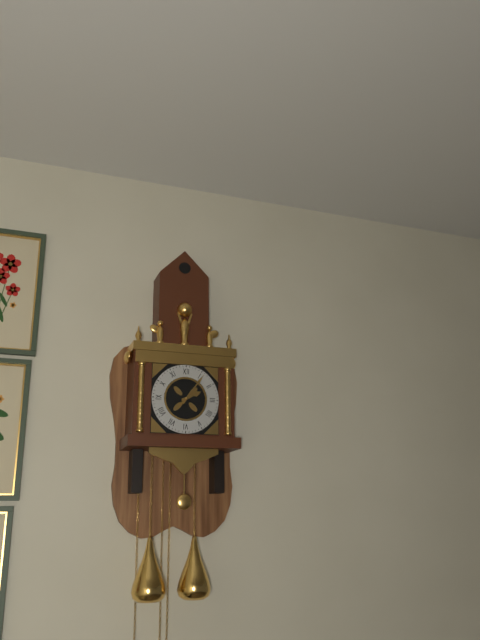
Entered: {"hour": 2, "minute": 6}
